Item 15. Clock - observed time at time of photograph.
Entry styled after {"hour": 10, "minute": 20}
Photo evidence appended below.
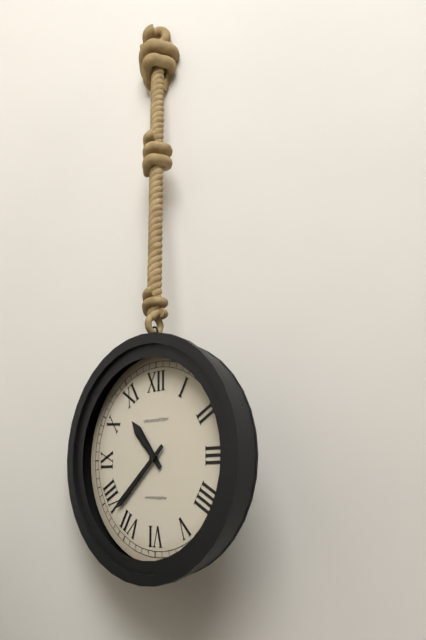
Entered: {"hour": 10, "minute": 38}
